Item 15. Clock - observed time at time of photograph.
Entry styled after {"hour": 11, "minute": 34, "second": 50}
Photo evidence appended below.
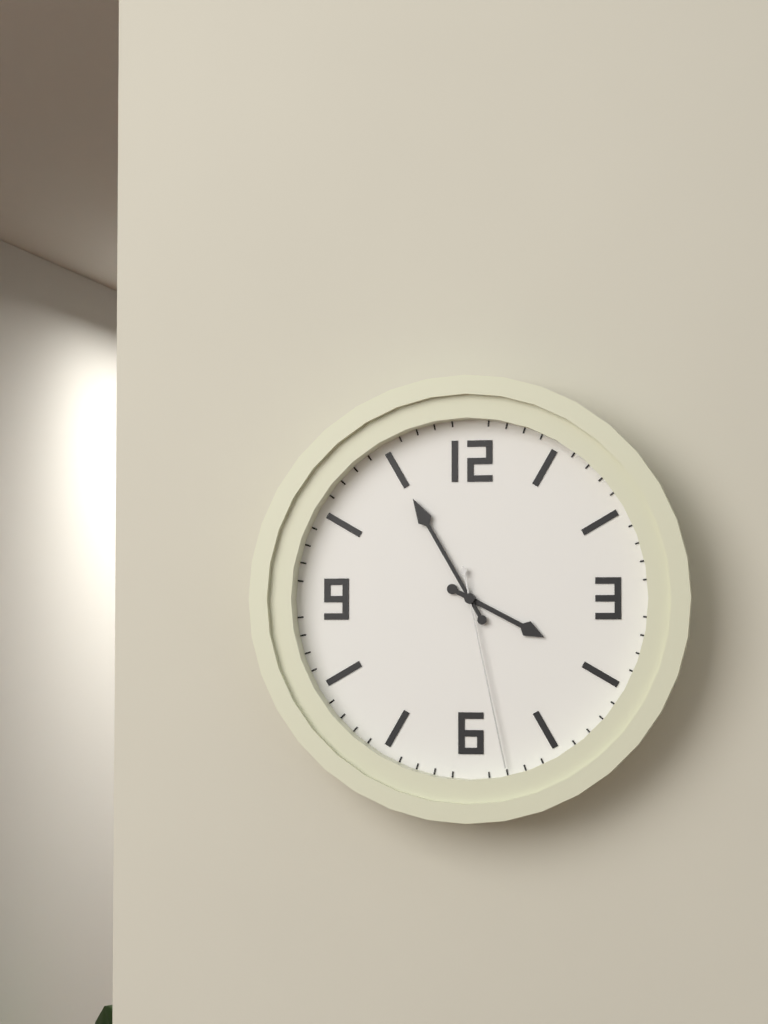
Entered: {"hour": 3, "minute": 55, "second": 28}
